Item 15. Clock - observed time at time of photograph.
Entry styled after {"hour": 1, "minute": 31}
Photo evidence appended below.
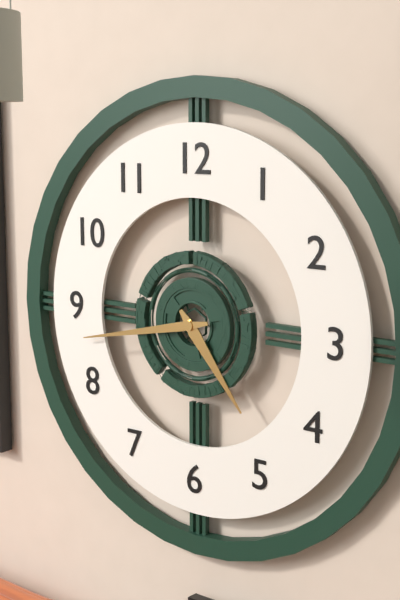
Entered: {"hour": 4, "minute": 43}
